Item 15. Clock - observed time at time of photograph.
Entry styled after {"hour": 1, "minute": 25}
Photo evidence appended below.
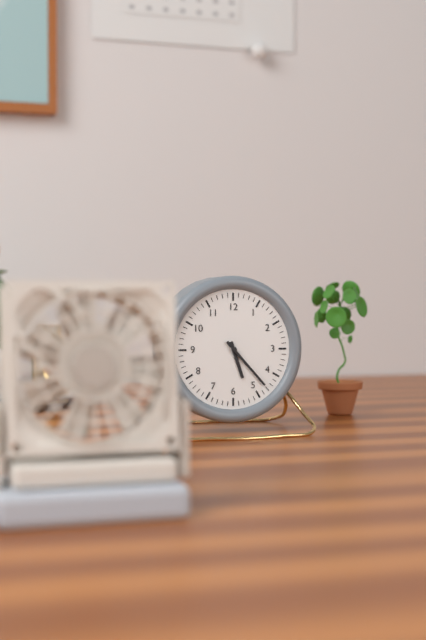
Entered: {"hour": 5, "minute": 23}
